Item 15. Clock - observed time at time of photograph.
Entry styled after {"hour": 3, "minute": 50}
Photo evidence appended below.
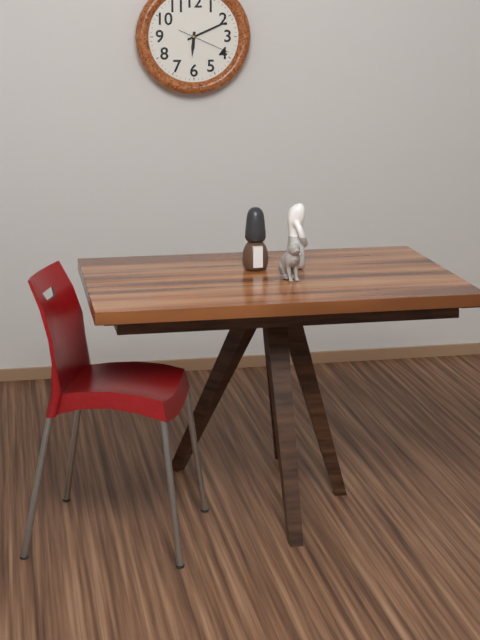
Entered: {"hour": 6, "minute": 11}
